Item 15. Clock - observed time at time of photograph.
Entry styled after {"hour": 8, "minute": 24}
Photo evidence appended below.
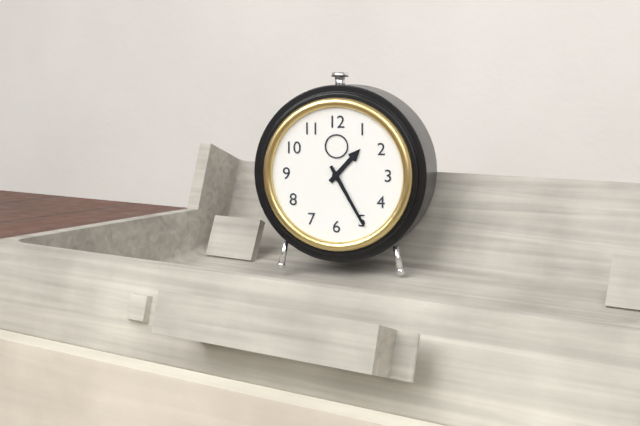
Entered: {"hour": 1, "minute": 25}
